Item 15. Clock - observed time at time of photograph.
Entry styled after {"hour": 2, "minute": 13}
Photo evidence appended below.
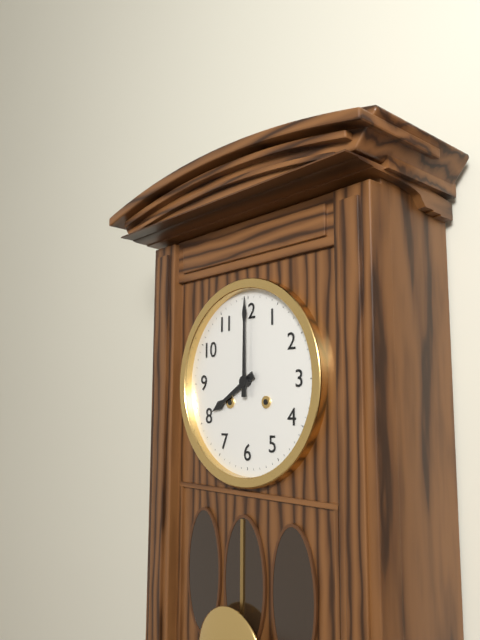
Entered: {"hour": 8, "minute": 0}
